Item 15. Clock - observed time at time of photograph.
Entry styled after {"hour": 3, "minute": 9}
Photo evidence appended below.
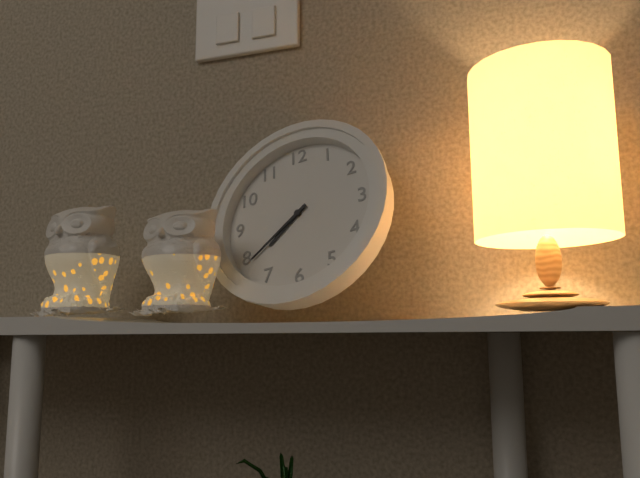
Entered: {"hour": 7, "minute": 39}
